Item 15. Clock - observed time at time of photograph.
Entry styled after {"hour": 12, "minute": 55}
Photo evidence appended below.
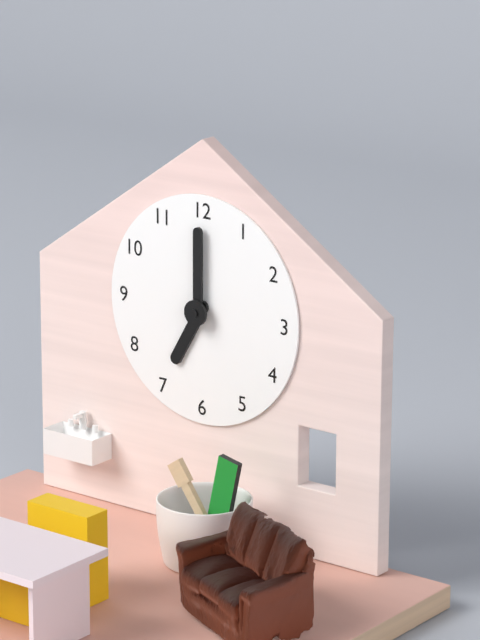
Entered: {"hour": 7, "minute": 0}
